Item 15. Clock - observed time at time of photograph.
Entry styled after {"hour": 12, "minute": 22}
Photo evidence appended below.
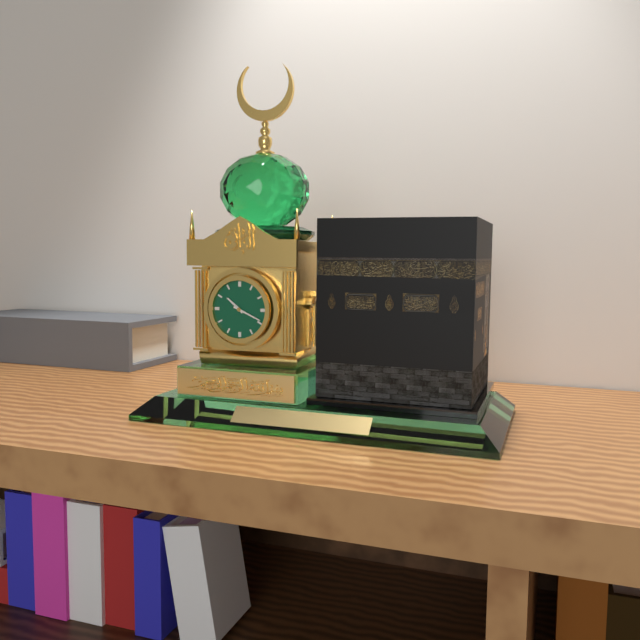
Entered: {"hour": 10, "minute": 19}
